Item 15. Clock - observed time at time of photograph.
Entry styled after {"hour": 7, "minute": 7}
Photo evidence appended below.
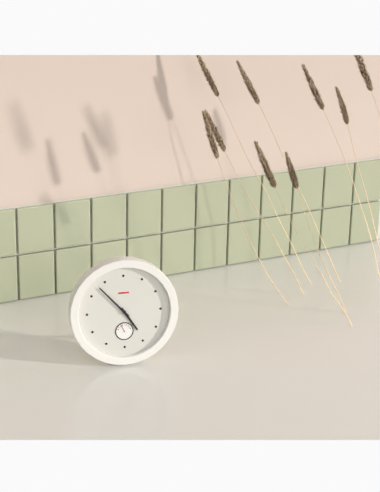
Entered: {"hour": 4, "minute": 53}
